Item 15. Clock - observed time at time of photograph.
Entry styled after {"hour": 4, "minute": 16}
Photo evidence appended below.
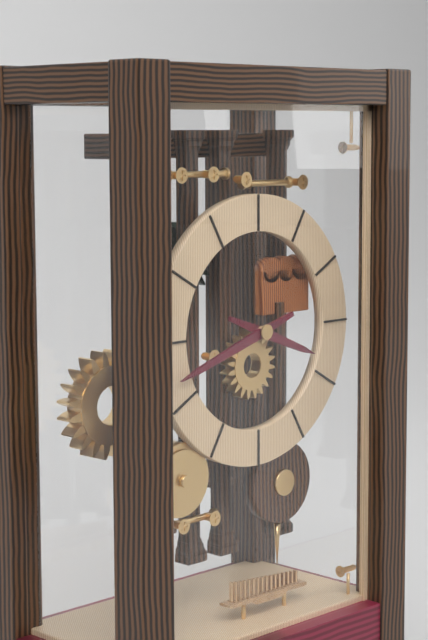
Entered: {"hour": 3, "minute": 42}
